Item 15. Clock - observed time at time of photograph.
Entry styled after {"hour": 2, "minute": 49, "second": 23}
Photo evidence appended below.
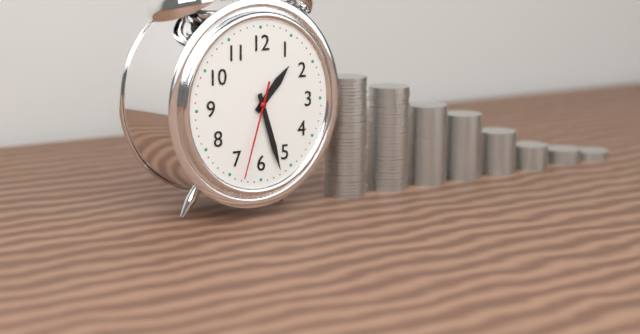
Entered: {"hour": 1, "minute": 27, "second": 33}
